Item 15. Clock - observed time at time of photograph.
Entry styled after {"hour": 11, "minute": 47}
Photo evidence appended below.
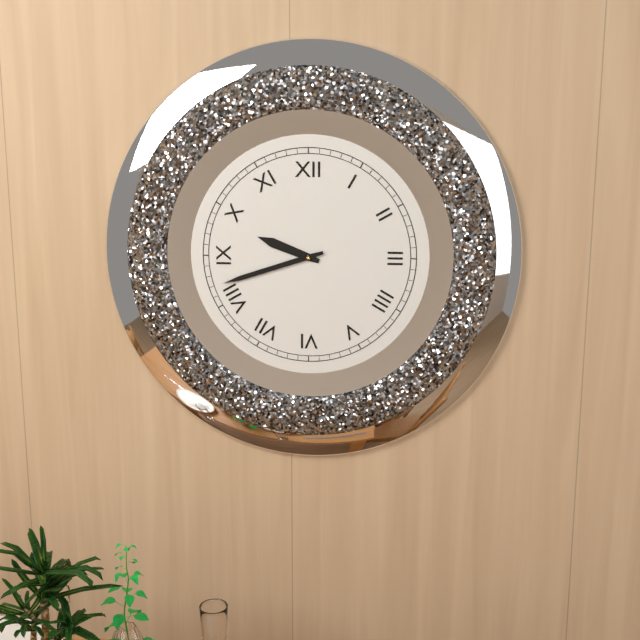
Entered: {"hour": 9, "minute": 42}
